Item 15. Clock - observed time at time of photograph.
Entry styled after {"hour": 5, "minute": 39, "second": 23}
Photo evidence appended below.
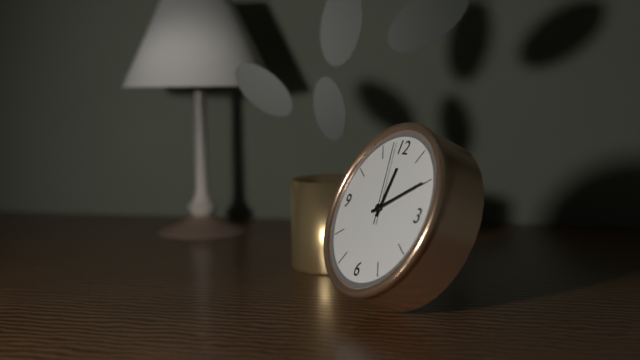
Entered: {"hour": 12, "minute": 10, "second": 58}
